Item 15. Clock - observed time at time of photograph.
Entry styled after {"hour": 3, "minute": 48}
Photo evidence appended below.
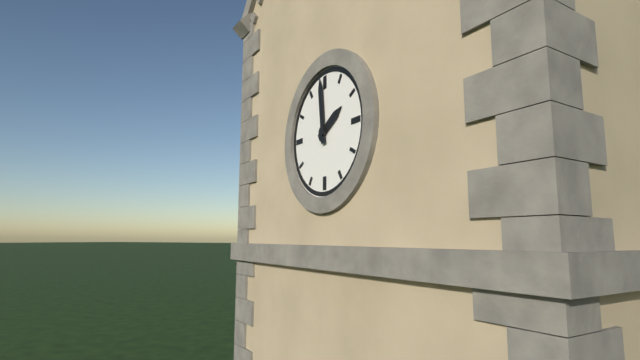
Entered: {"hour": 1, "minute": 59}
